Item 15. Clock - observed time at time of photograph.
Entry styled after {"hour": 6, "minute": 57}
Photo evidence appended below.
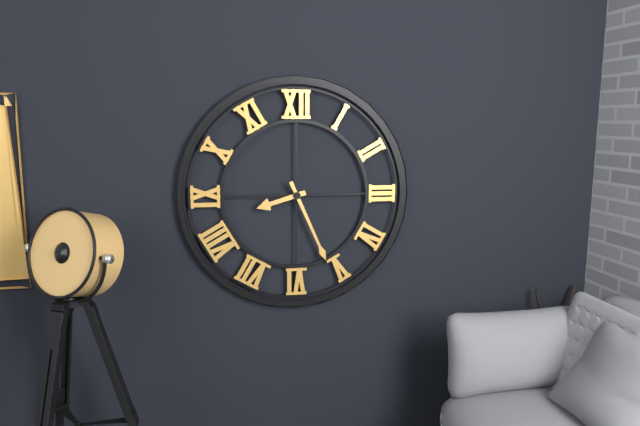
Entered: {"hour": 8, "minute": 26}
